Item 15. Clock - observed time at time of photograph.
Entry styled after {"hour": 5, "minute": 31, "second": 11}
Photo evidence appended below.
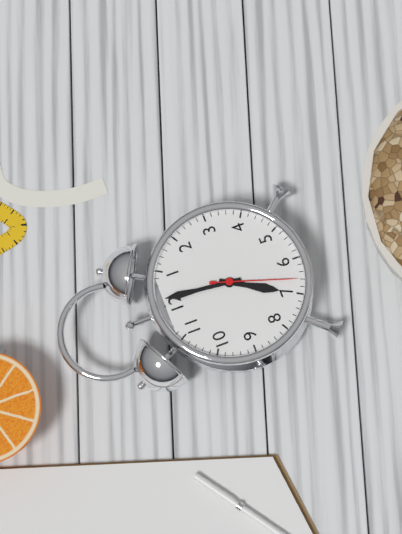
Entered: {"hour": 7, "minute": 1, "second": 33}
